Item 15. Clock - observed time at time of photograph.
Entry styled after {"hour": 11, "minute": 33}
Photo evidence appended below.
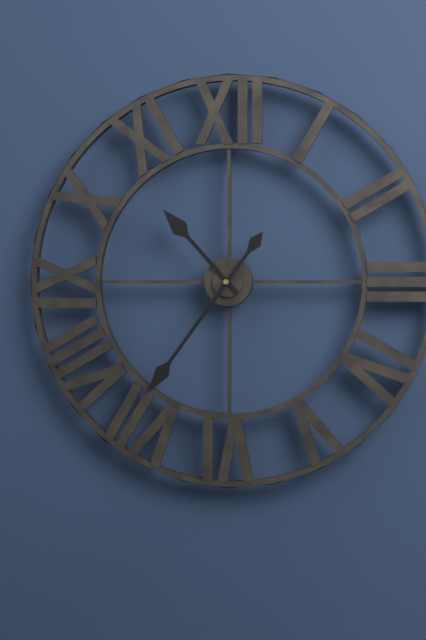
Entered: {"hour": 10, "minute": 36}
